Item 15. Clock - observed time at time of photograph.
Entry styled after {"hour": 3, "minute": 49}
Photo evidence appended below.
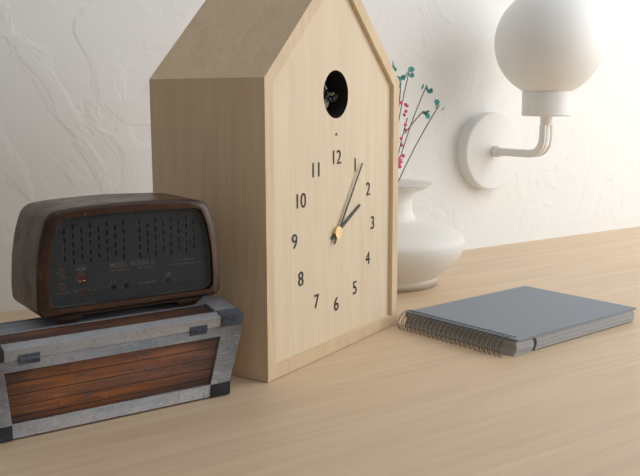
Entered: {"hour": 2, "minute": 6}
